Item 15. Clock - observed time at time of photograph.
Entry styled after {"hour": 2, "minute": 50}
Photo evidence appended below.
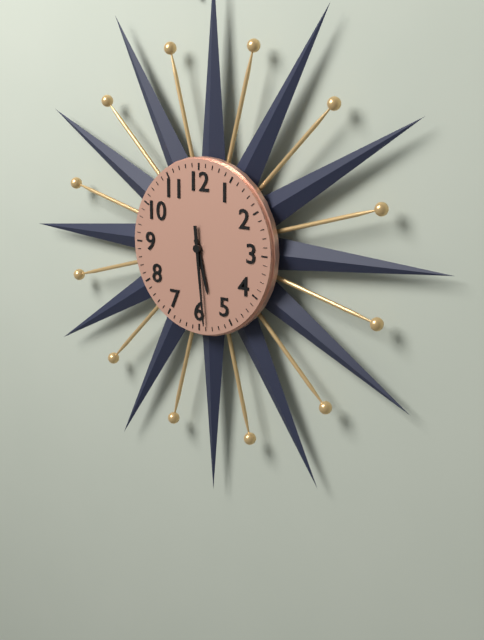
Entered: {"hour": 5, "minute": 29}
